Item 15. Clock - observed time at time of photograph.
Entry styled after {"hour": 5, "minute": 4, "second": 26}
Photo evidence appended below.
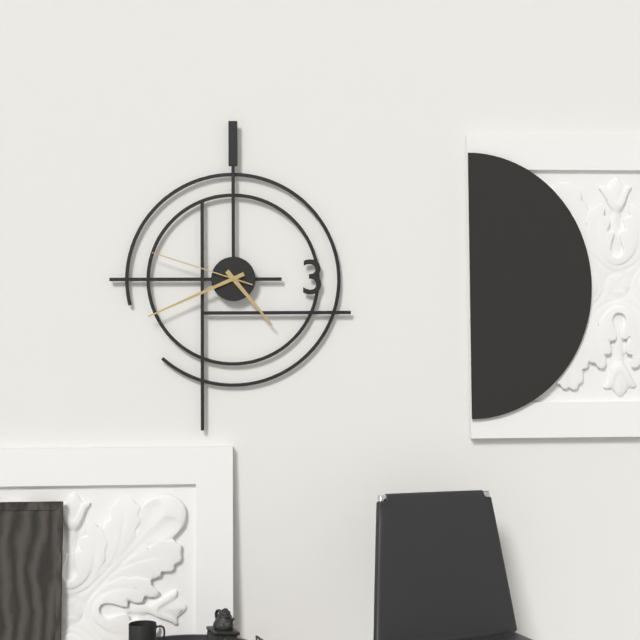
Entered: {"hour": 4, "minute": 41, "second": 48}
